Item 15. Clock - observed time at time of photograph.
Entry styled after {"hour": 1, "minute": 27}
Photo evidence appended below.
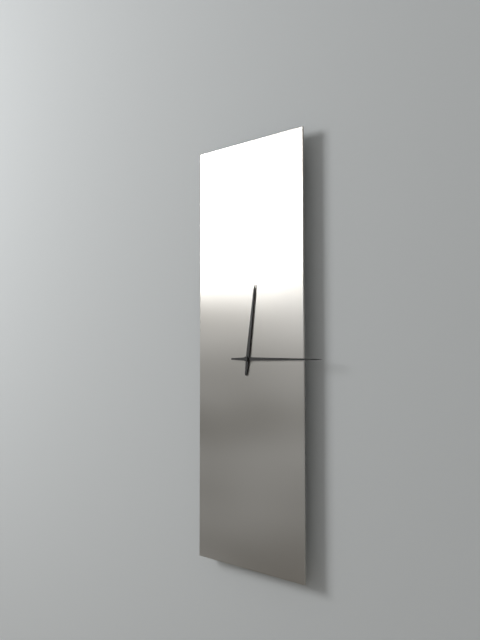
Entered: {"hour": 12, "minute": 15}
